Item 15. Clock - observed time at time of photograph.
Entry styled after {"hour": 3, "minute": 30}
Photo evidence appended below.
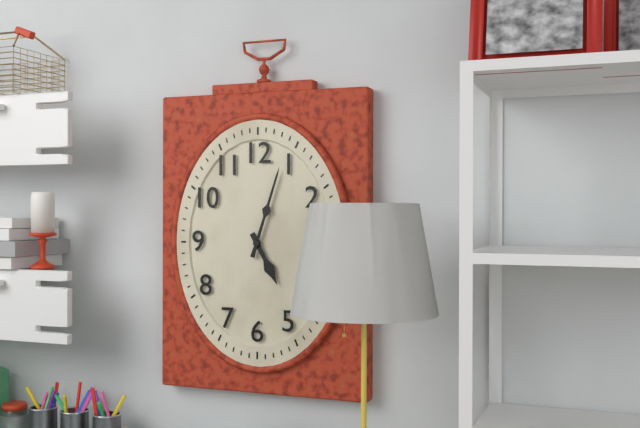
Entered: {"hour": 5, "minute": 3}
